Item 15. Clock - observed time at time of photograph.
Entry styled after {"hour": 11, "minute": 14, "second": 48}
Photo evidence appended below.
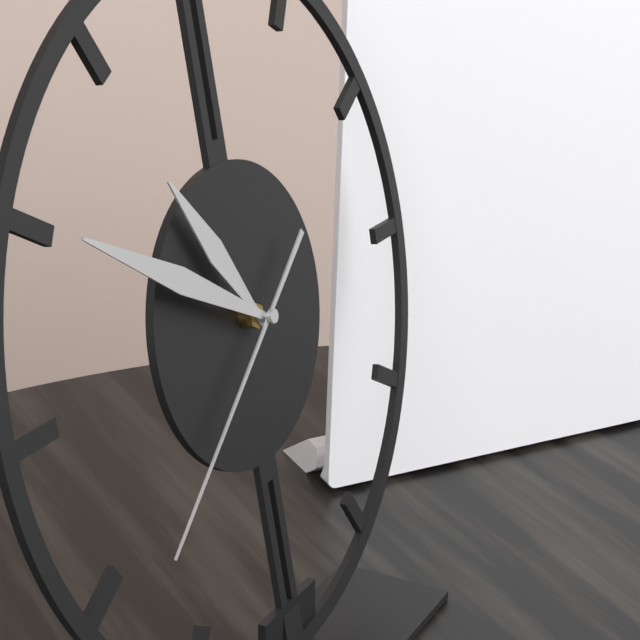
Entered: {"hour": 10, "minute": 50, "second": 39}
